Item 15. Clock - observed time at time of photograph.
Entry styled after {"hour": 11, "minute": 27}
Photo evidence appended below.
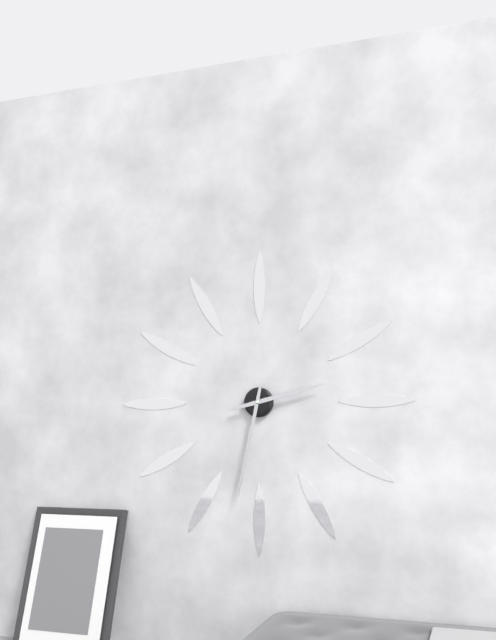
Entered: {"hour": 2, "minute": 32}
